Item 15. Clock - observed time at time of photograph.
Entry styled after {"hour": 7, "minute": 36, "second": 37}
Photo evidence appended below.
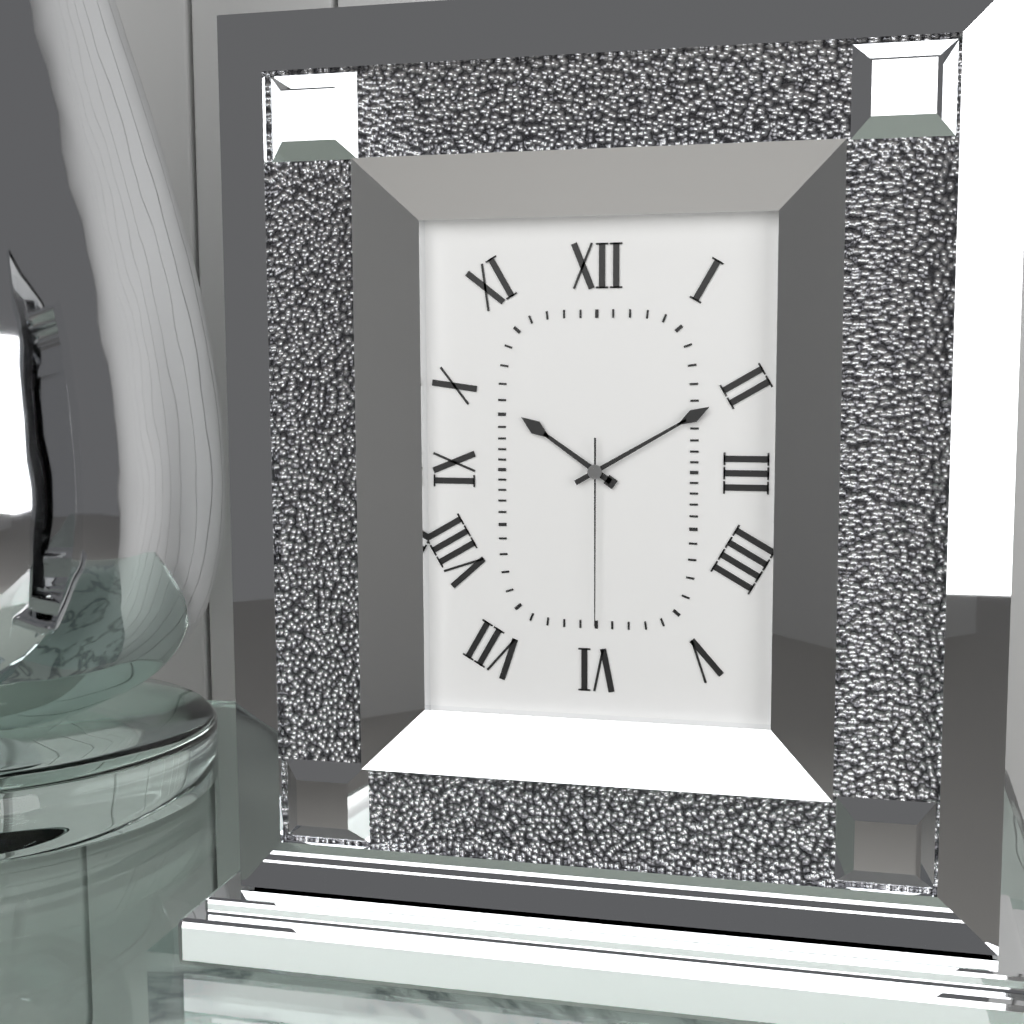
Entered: {"hour": 10, "minute": 10, "second": 30}
